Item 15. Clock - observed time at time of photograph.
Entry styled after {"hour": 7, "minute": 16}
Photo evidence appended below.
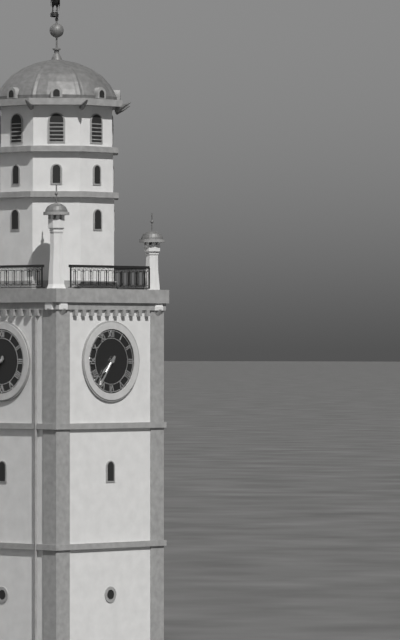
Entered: {"hour": 7, "minute": 36}
